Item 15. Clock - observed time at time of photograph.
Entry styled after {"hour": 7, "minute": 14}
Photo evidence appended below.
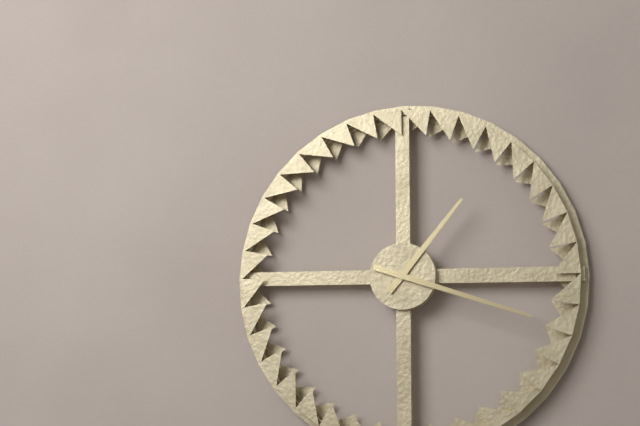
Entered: {"hour": 1, "minute": 18}
